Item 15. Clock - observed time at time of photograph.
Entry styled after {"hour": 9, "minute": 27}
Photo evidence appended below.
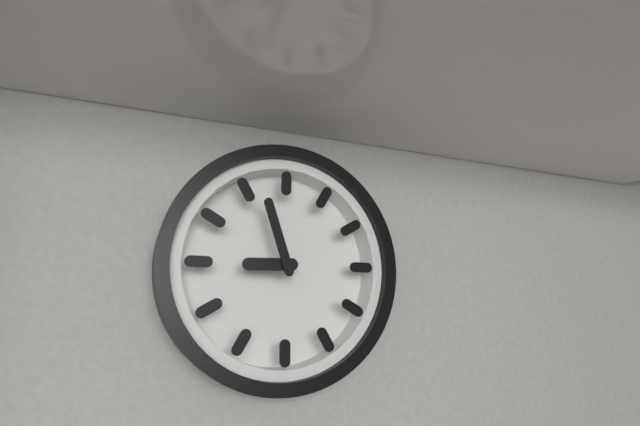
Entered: {"hour": 8, "minute": 57}
